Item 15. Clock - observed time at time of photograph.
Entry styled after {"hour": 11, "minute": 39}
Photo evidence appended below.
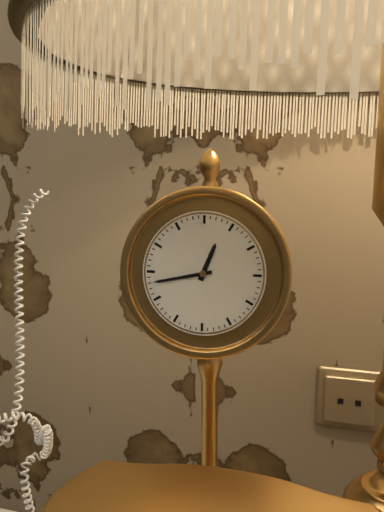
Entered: {"hour": 12, "minute": 43}
